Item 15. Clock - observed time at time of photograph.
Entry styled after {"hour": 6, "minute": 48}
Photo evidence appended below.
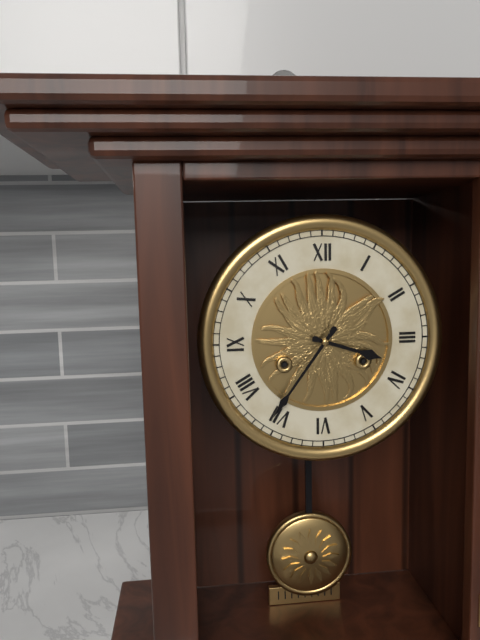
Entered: {"hour": 3, "minute": 36}
